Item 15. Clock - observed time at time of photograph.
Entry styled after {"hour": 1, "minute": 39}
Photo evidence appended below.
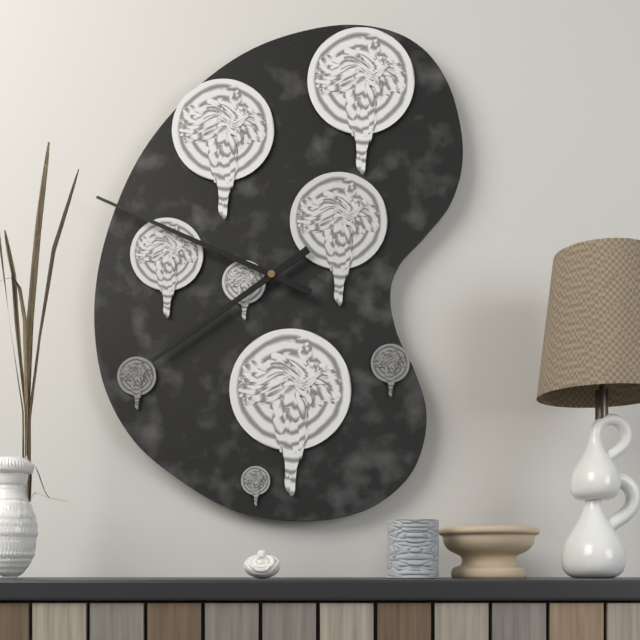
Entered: {"hour": 7, "minute": 49}
